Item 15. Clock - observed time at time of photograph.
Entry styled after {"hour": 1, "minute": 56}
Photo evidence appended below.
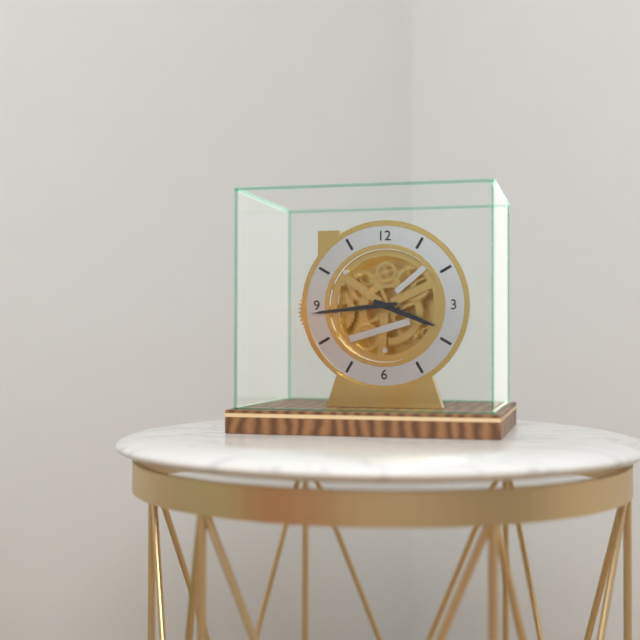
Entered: {"hour": 3, "minute": 44}
